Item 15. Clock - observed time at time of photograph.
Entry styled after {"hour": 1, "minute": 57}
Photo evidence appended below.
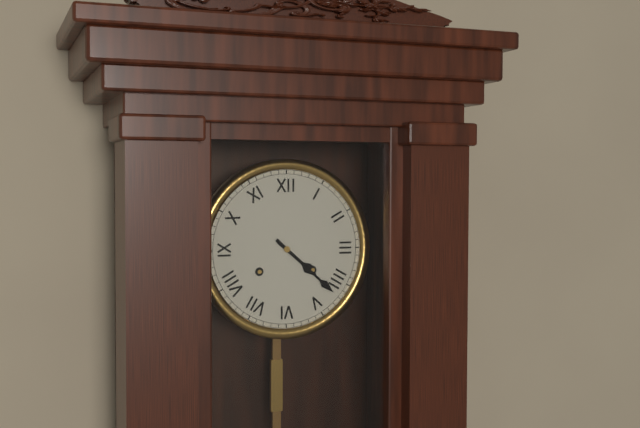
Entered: {"hour": 4, "minute": 22}
